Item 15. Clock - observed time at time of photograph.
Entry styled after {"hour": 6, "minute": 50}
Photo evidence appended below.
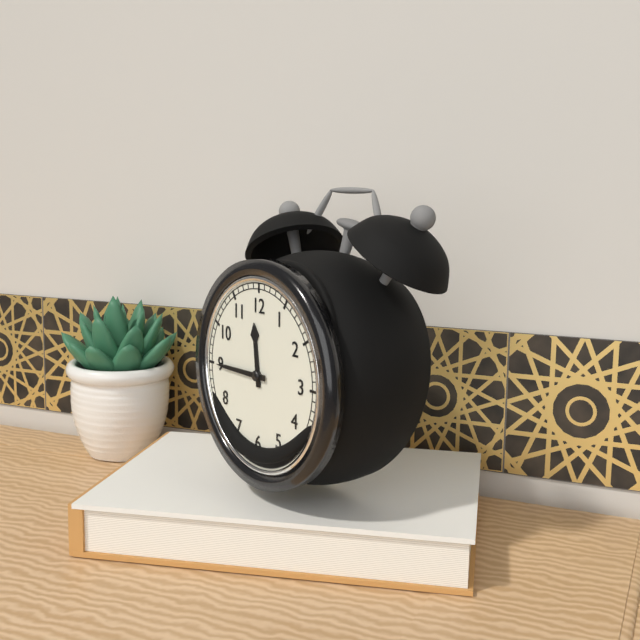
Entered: {"hour": 11, "minute": 45}
